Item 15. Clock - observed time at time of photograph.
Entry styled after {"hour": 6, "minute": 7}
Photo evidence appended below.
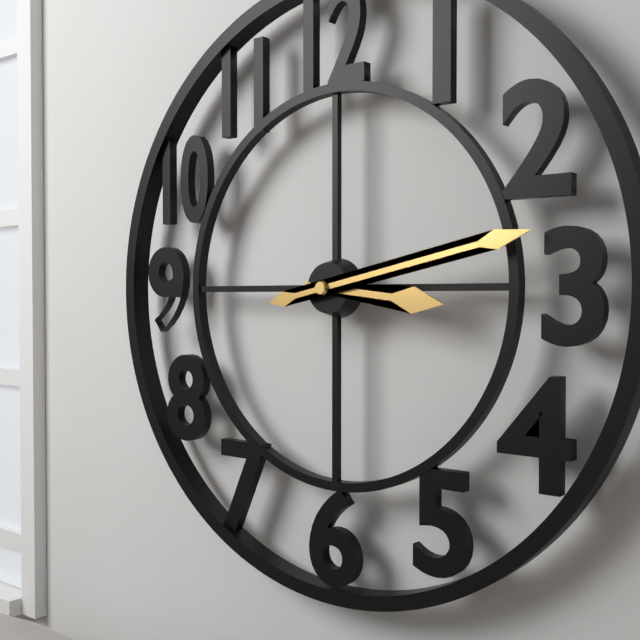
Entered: {"hour": 3, "minute": 13}
